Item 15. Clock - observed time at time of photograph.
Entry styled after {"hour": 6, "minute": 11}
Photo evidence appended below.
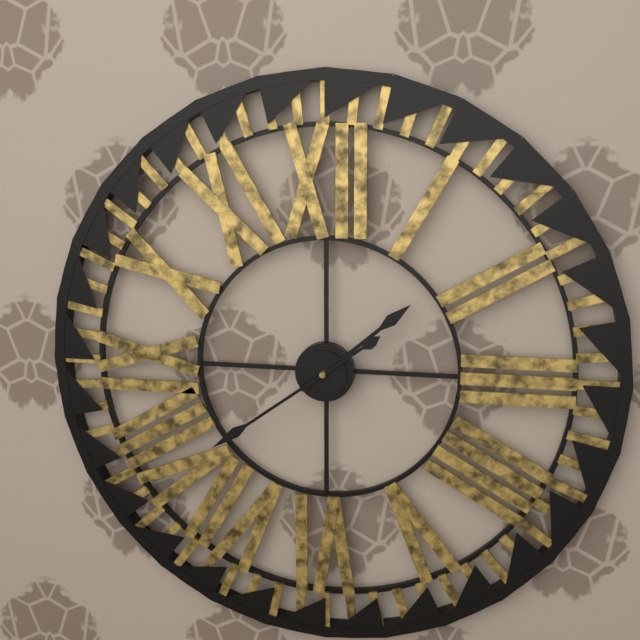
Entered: {"hour": 1, "minute": 39}
